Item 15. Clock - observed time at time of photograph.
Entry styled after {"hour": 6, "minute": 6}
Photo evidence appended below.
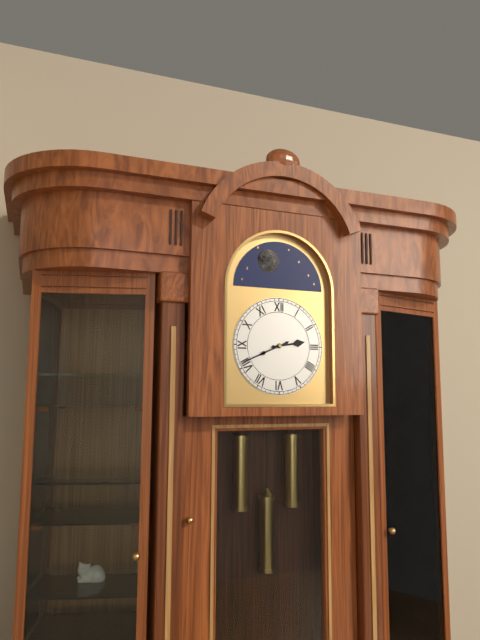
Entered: {"hour": 2, "minute": 41}
